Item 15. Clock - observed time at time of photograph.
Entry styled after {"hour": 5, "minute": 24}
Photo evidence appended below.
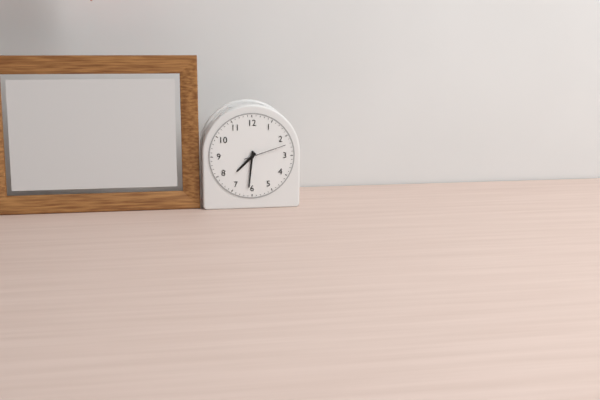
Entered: {"hour": 7, "minute": 31}
